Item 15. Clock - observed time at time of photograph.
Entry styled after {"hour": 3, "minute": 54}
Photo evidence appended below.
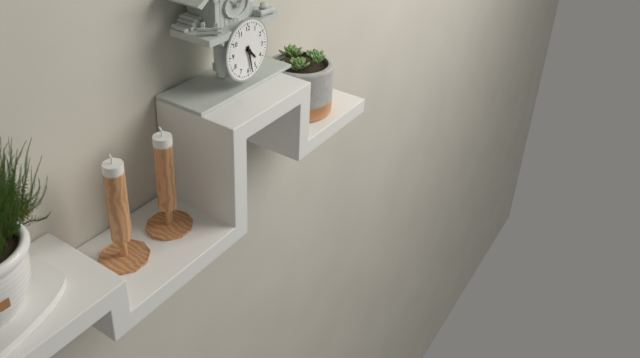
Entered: {"hour": 4, "minute": 28}
